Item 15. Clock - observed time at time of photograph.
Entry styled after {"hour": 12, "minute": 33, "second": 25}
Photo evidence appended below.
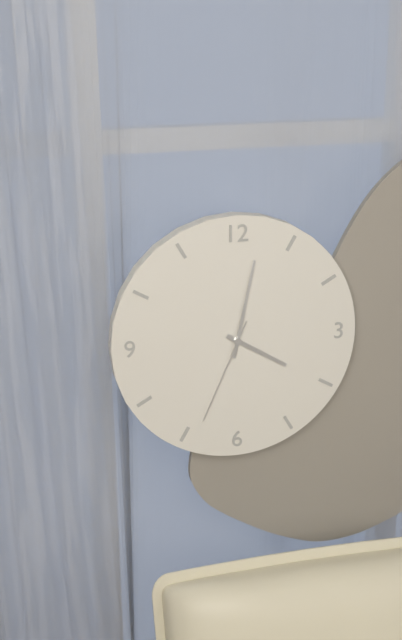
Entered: {"hour": 4, "minute": 2, "second": 34}
